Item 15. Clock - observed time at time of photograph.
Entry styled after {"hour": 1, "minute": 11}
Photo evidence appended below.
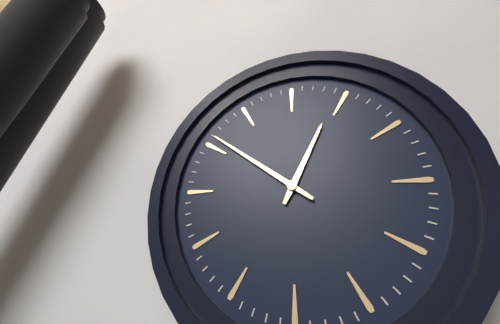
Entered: {"hour": 12, "minute": 51}
